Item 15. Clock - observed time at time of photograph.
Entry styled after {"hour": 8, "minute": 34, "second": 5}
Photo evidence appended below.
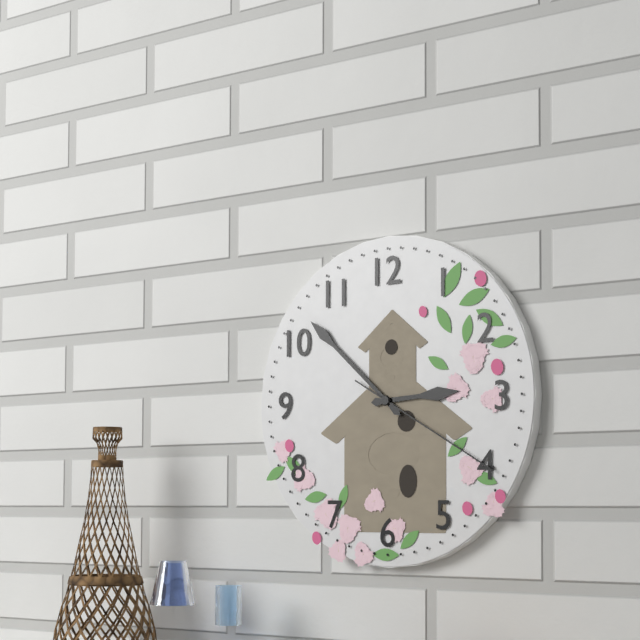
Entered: {"hour": 2, "minute": 52, "second": 20}
